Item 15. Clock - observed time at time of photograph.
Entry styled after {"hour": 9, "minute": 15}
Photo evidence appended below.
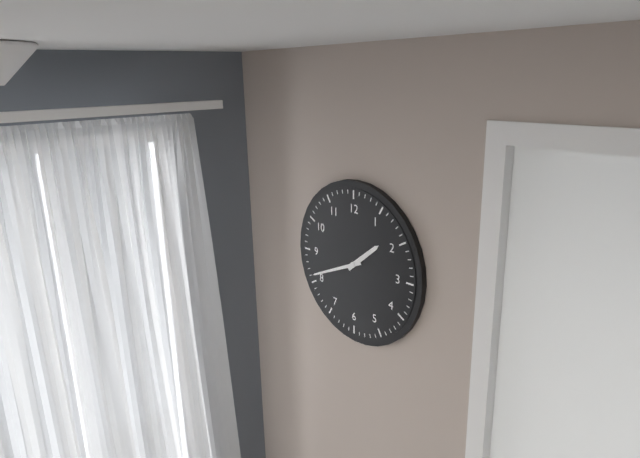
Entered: {"hour": 1, "minute": 41}
